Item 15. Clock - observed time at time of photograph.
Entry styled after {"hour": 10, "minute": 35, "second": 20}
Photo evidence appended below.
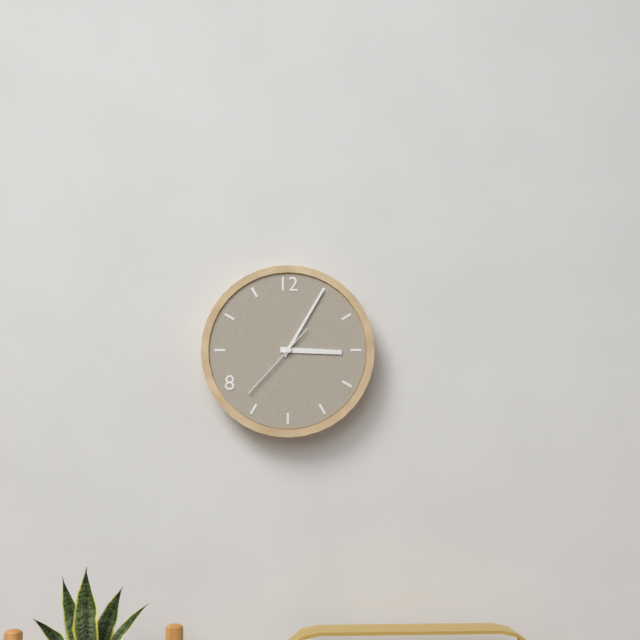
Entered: {"hour": 3, "minute": 5, "second": 37}
